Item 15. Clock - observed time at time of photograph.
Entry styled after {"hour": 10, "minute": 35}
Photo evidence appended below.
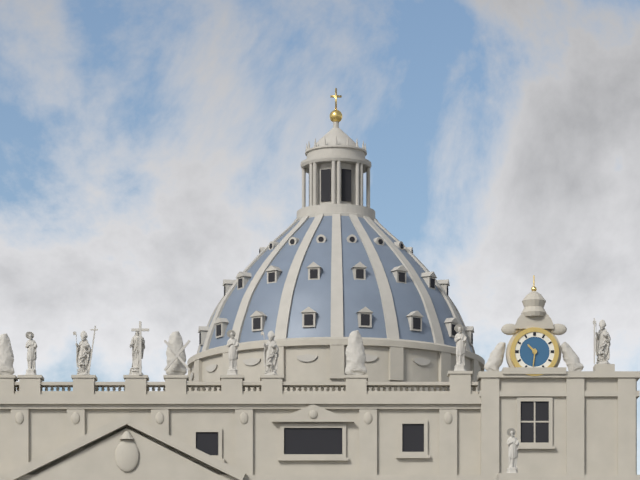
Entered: {"hour": 10, "minute": 31}
